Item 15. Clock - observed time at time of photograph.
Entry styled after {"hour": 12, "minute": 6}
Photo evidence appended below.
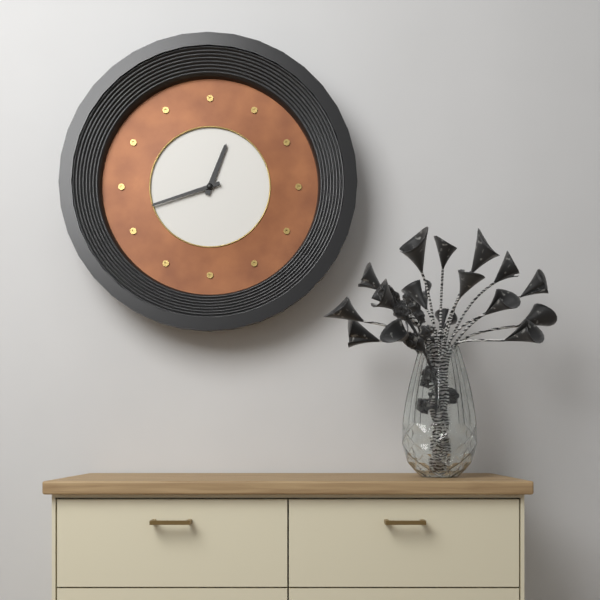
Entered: {"hour": 12, "minute": 42}
